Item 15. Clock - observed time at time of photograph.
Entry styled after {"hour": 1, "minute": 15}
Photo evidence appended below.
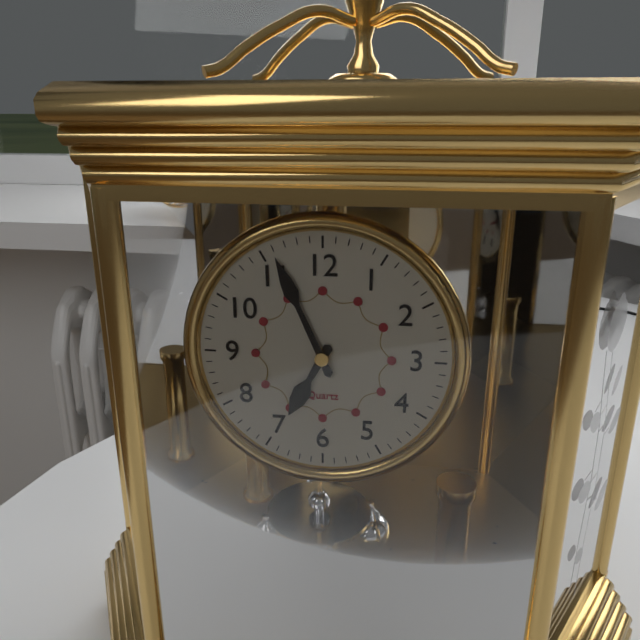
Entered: {"hour": 6, "minute": 56}
